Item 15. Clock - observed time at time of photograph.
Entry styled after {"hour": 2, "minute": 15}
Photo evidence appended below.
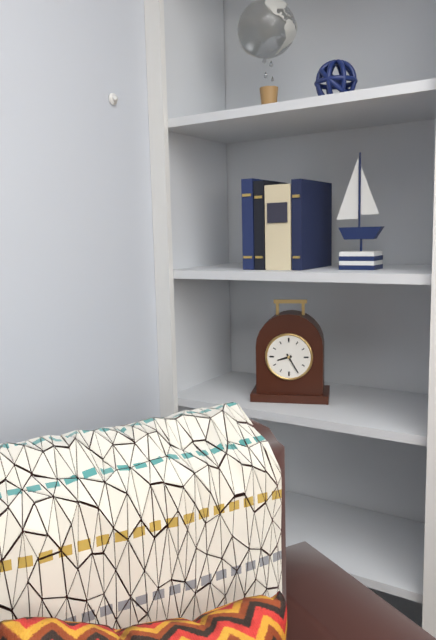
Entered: {"hour": 8, "minute": 25}
